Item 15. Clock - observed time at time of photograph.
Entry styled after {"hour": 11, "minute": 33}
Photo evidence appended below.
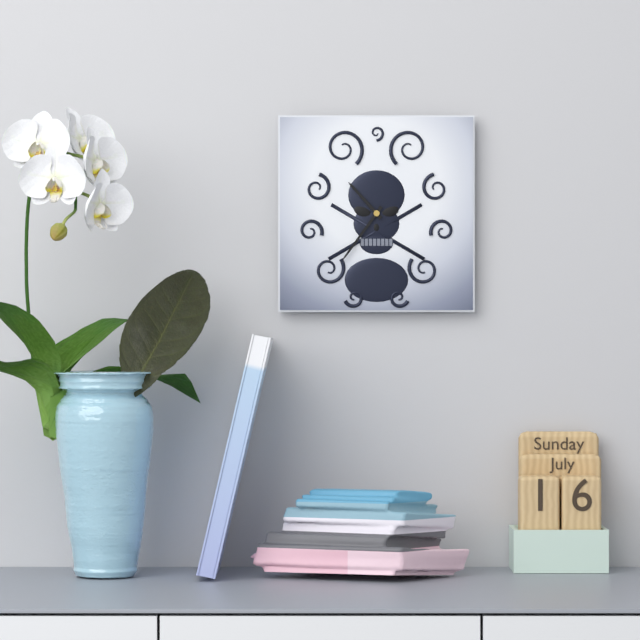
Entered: {"hour": 10, "minute": 36}
